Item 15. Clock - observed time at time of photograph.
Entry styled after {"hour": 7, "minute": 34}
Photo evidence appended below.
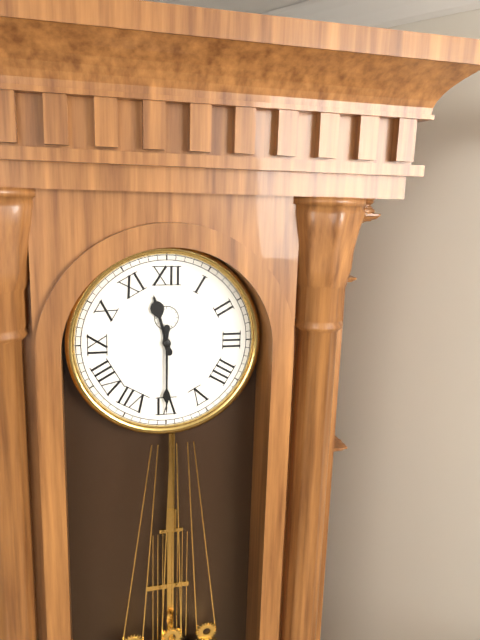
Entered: {"hour": 11, "minute": 30}
